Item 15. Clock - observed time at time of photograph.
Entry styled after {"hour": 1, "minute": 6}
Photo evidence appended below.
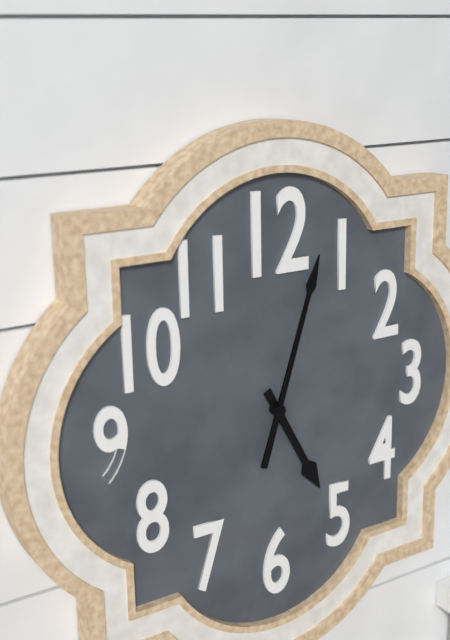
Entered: {"hour": 5, "minute": 3}
